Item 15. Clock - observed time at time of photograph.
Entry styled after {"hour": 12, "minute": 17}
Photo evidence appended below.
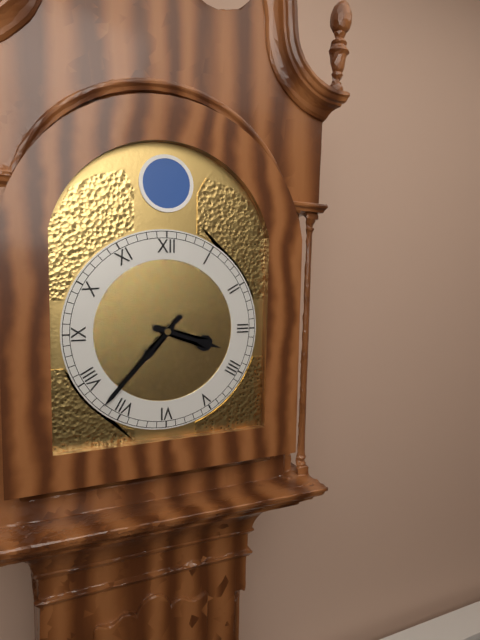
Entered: {"hour": 3, "minute": 37}
